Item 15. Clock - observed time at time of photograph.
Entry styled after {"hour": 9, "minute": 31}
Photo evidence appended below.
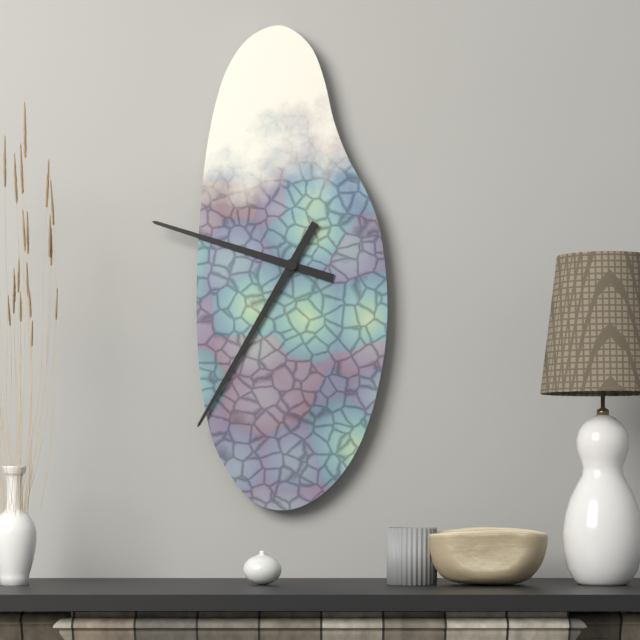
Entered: {"hour": 9, "minute": 35}
